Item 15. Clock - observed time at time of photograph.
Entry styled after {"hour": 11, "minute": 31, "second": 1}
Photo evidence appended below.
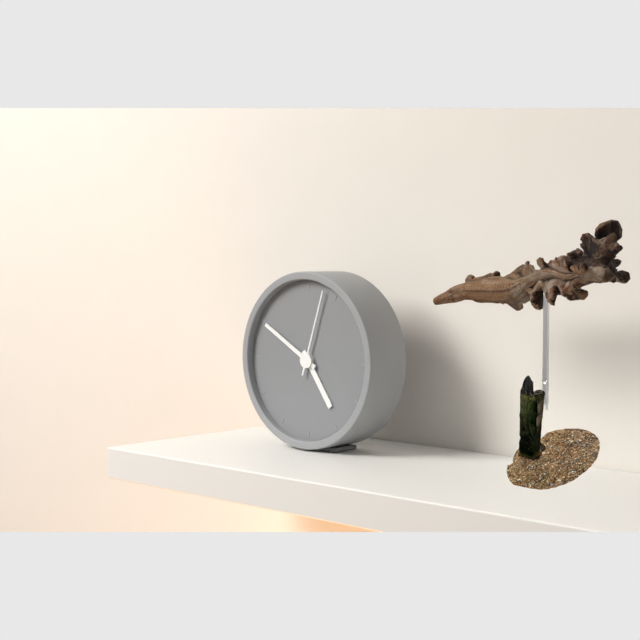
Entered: {"hour": 4, "minute": 50, "second": 3}
